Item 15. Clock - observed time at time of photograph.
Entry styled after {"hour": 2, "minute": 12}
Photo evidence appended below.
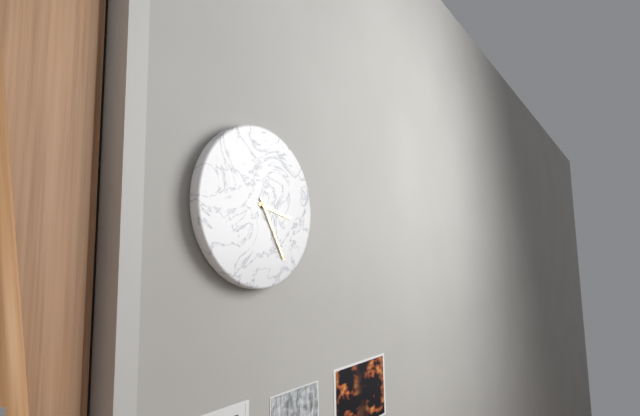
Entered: {"hour": 3, "minute": 25}
